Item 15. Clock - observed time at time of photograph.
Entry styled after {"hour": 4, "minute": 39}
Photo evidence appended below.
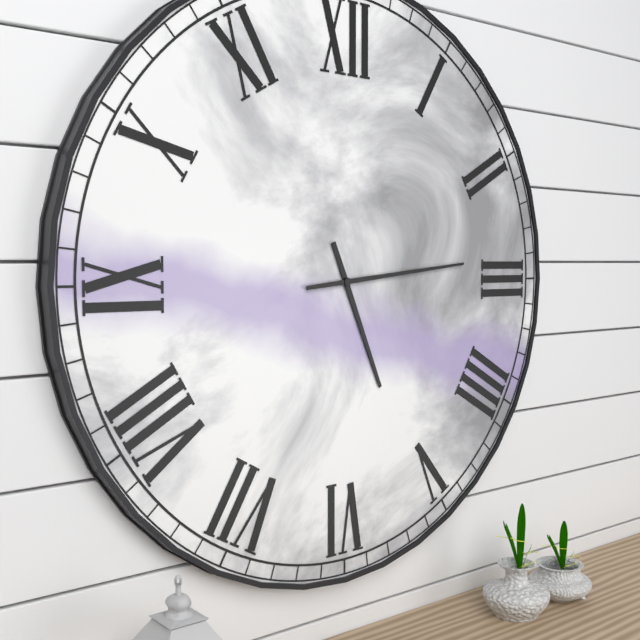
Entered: {"hour": 5, "minute": 14}
